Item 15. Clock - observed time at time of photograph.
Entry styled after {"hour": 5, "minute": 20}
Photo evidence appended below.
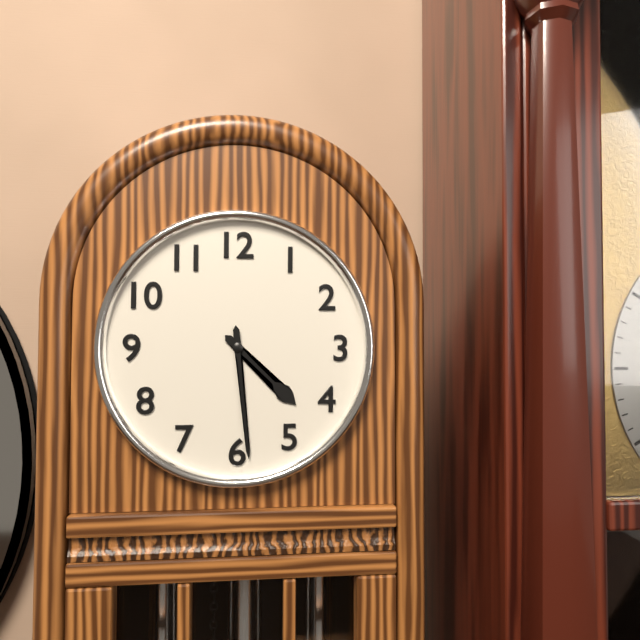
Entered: {"hour": 4, "minute": 29}
